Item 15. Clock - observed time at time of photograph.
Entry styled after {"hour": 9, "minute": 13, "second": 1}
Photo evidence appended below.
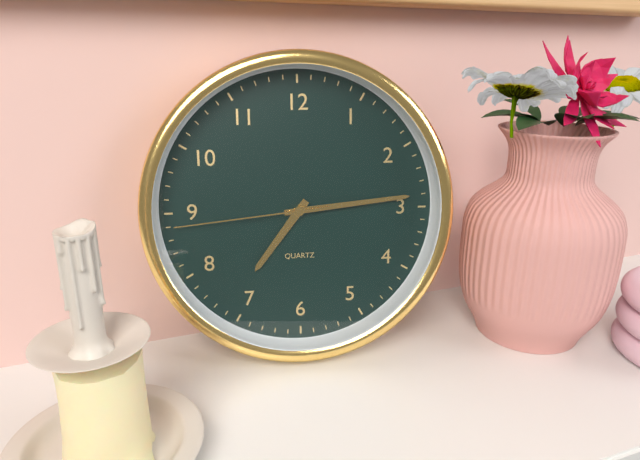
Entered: {"hour": 7, "minute": 14, "second": 44}
